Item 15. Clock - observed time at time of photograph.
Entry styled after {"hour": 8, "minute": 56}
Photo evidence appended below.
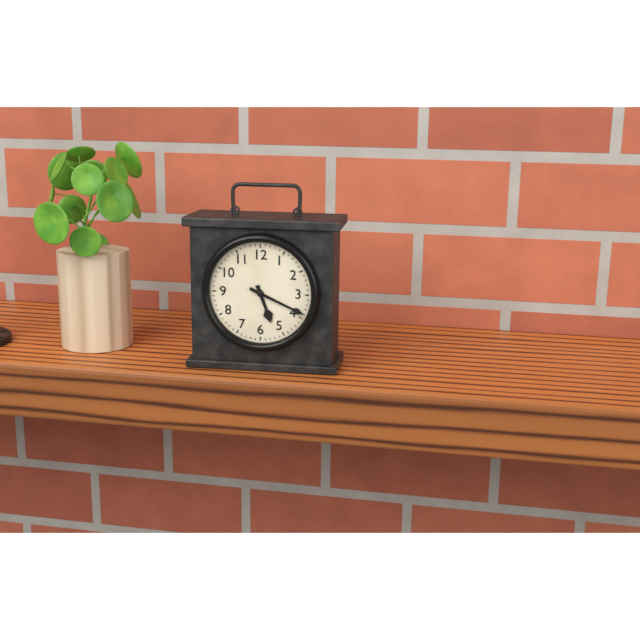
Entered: {"hour": 5, "minute": 19}
